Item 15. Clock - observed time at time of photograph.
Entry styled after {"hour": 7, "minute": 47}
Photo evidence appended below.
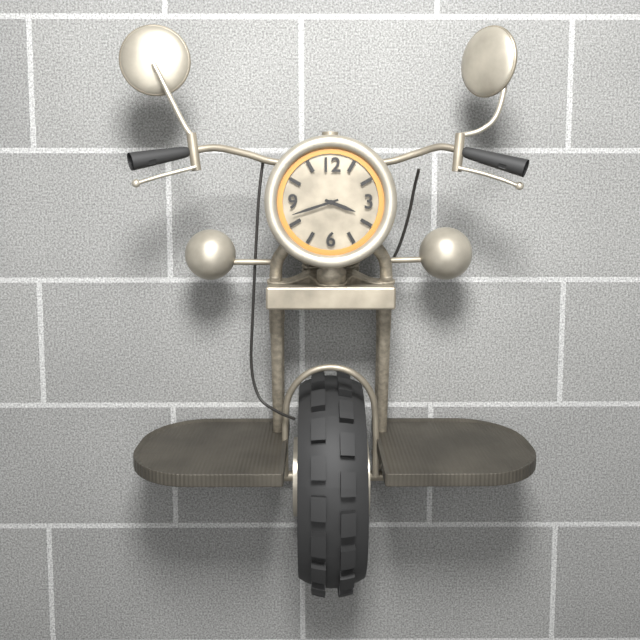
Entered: {"hour": 3, "minute": 42}
